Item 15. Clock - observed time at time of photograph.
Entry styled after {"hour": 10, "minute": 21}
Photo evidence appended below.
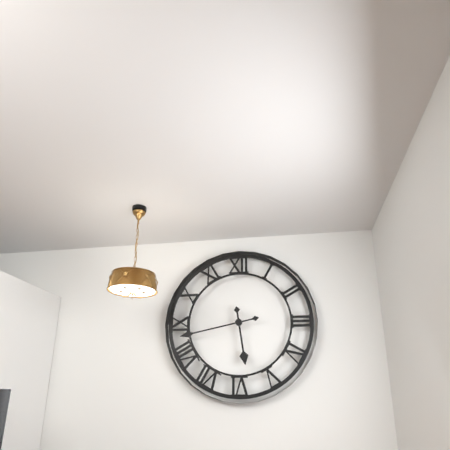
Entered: {"hour": 5, "minute": 43}
